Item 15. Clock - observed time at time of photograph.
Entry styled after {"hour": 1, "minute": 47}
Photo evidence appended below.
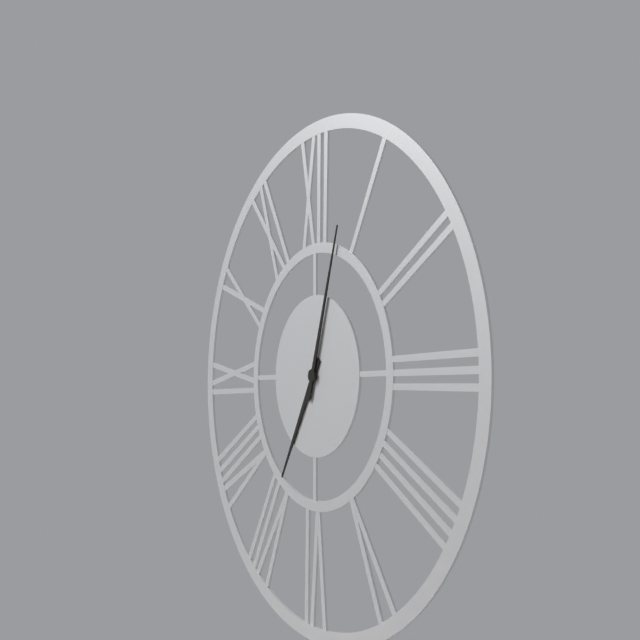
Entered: {"hour": 7, "minute": 3}
